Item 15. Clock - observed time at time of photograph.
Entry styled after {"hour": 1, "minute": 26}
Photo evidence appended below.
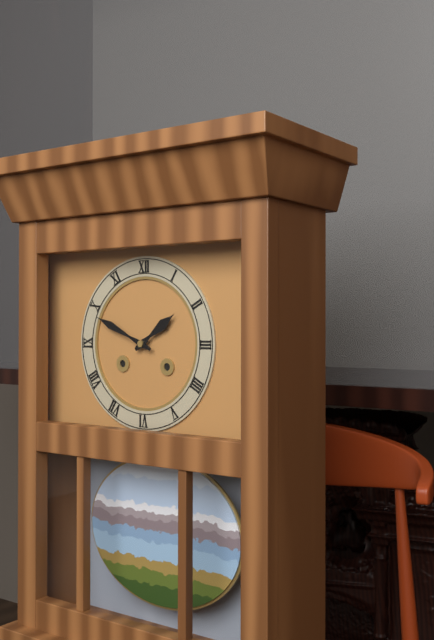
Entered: {"hour": 1, "minute": 49}
